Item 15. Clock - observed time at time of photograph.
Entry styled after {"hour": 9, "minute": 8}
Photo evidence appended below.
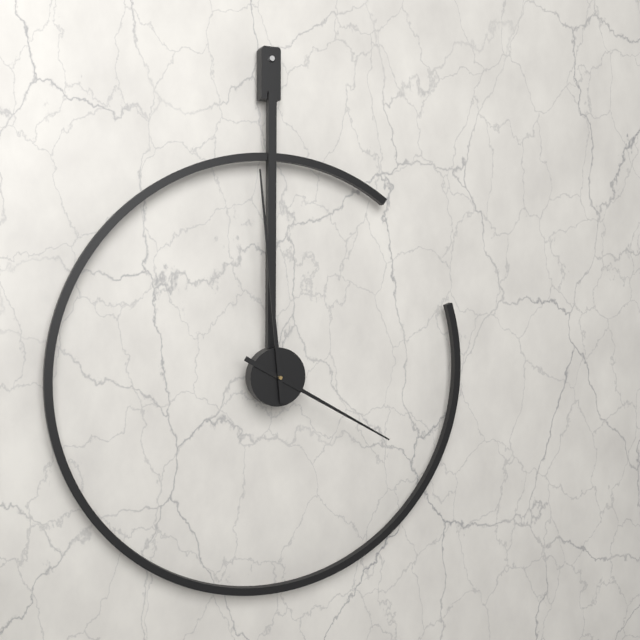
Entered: {"hour": 3, "minute": 59}
